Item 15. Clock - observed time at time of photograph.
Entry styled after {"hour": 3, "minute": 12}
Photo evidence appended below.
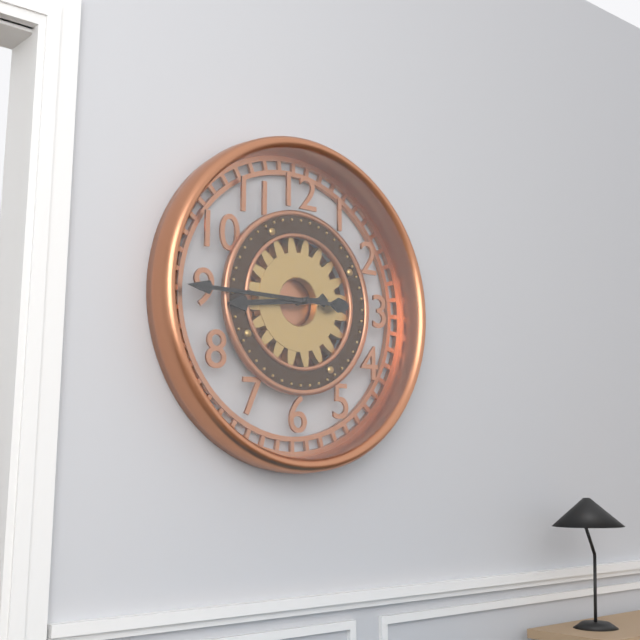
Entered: {"hour": 8, "minute": 45}
